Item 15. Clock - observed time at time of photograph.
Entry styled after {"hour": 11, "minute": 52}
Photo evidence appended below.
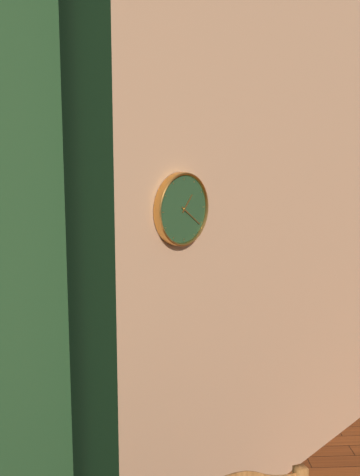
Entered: {"hour": 1, "minute": 21}
